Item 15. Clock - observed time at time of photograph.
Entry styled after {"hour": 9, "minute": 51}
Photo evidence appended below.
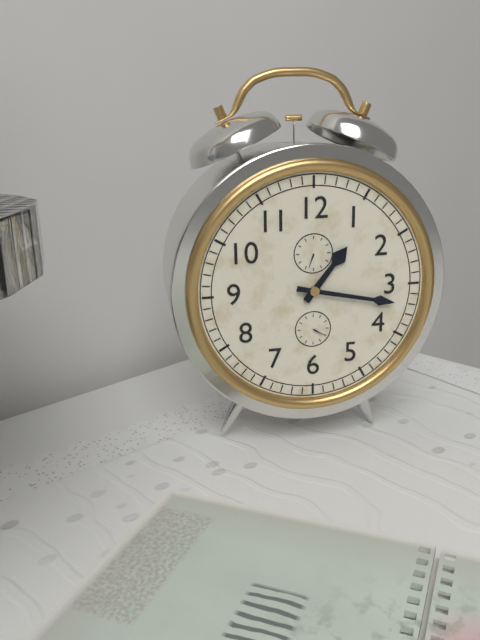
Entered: {"hour": 1, "minute": 17}
